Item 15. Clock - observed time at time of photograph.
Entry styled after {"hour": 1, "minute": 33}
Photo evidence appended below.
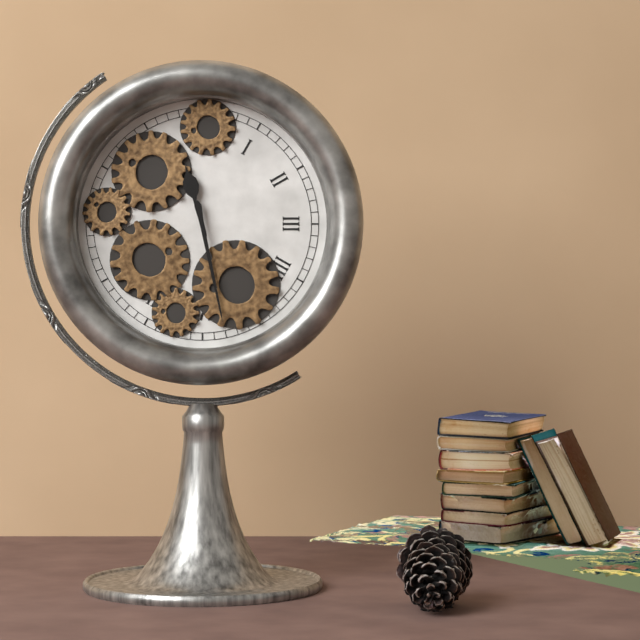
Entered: {"hour": 11, "minute": 28}
